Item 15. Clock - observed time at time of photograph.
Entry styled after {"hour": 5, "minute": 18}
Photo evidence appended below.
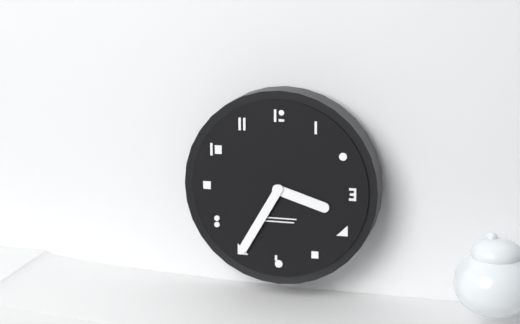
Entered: {"hour": 3, "minute": 35}
